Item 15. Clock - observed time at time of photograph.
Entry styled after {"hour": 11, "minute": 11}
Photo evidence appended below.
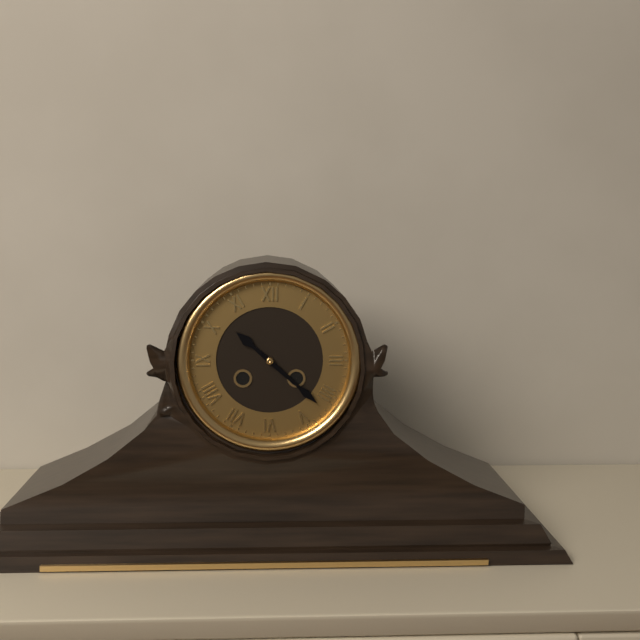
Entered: {"hour": 10, "minute": 22}
